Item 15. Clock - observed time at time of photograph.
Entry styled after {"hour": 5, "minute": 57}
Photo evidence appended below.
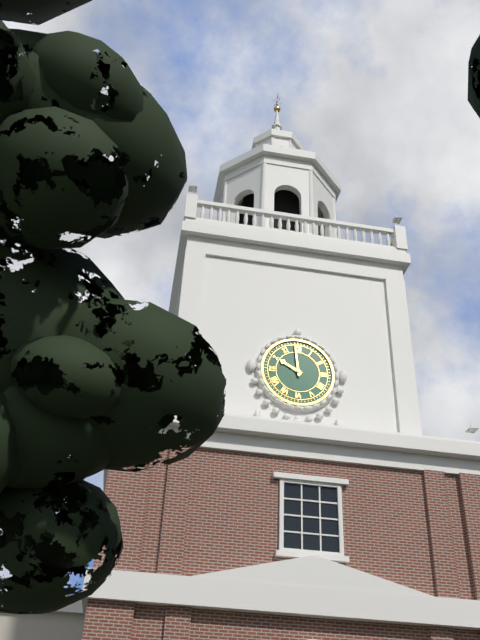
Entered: {"hour": 9, "minute": 59}
